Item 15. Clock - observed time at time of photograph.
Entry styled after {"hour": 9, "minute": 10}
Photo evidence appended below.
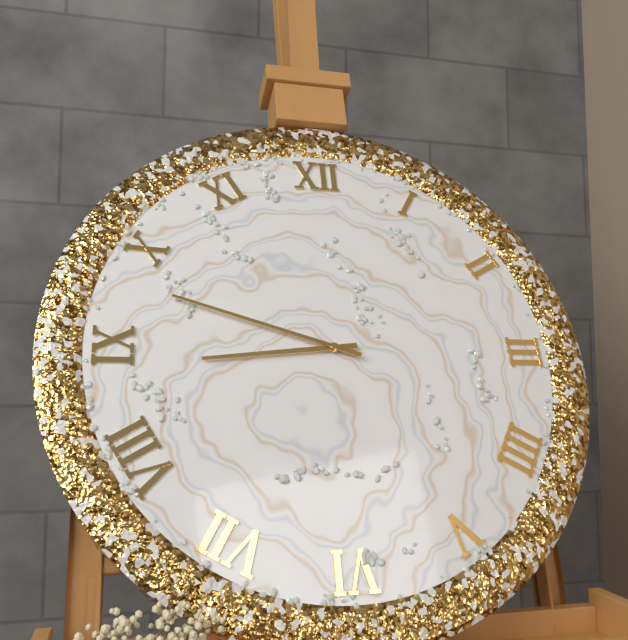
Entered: {"hour": 8, "minute": 48}
